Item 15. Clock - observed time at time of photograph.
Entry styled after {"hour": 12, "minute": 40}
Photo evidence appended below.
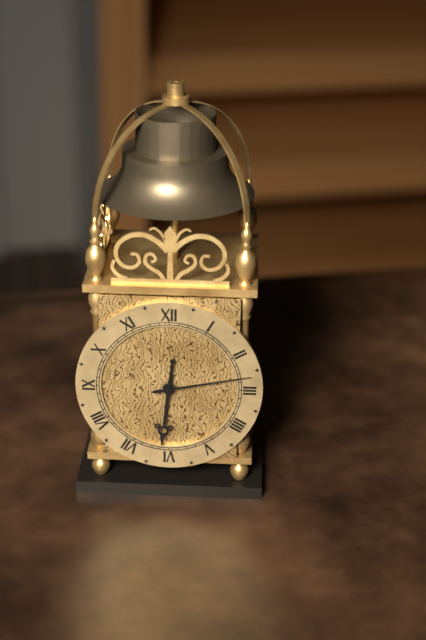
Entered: {"hour": 6, "minute": 13}
